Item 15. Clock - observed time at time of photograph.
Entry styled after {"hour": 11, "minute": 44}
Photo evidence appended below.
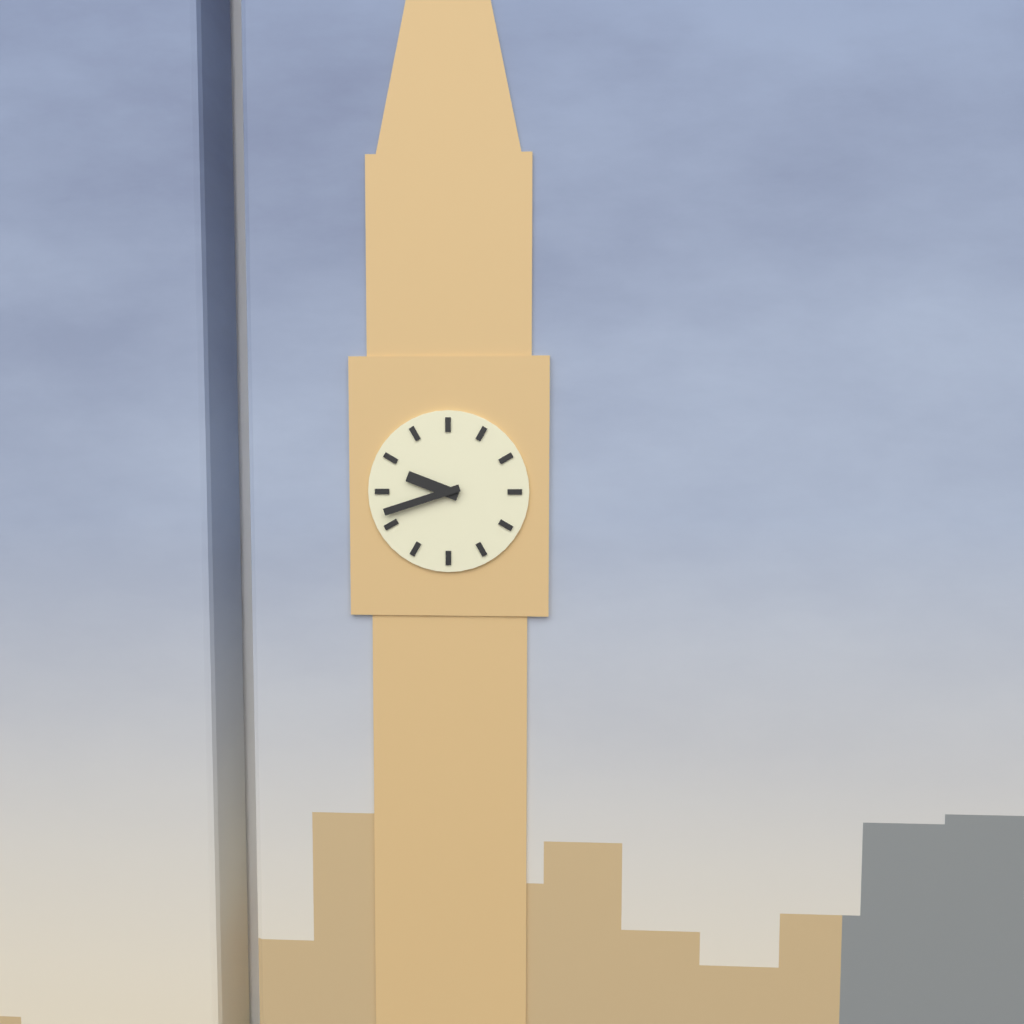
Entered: {"hour": 9, "minute": 42}
